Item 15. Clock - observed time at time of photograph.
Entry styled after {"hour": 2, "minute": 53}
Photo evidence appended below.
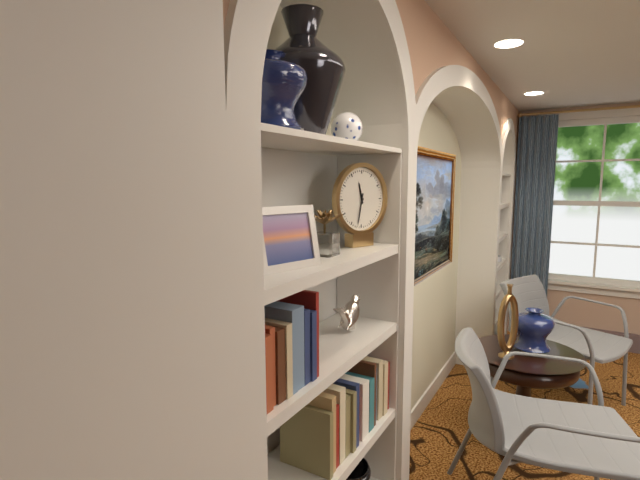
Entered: {"hour": 11, "minute": 32}
